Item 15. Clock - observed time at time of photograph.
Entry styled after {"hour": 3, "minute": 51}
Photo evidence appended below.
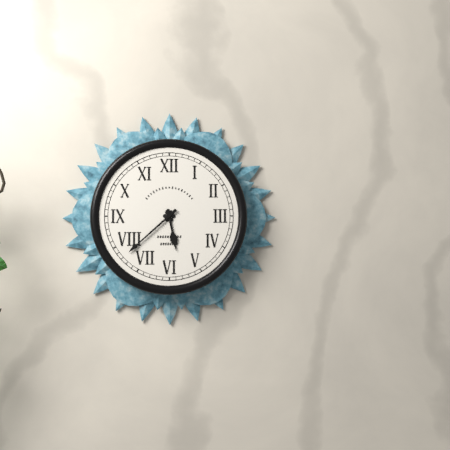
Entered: {"hour": 5, "minute": 38}
